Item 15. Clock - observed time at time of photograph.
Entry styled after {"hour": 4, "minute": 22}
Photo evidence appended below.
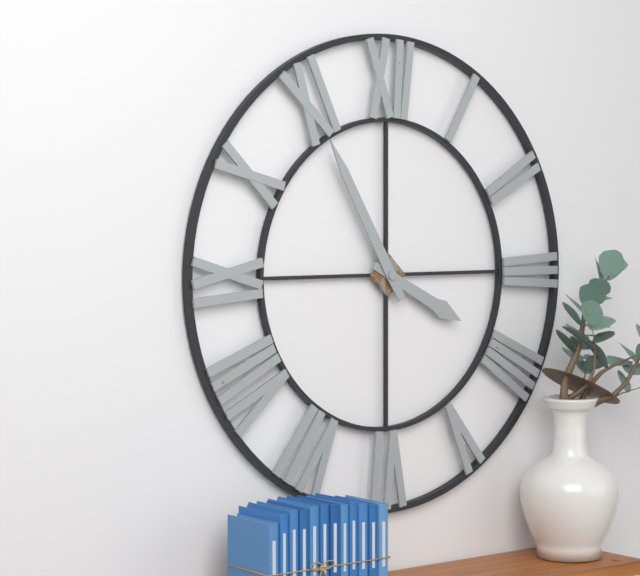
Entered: {"hour": 3, "minute": 55}
